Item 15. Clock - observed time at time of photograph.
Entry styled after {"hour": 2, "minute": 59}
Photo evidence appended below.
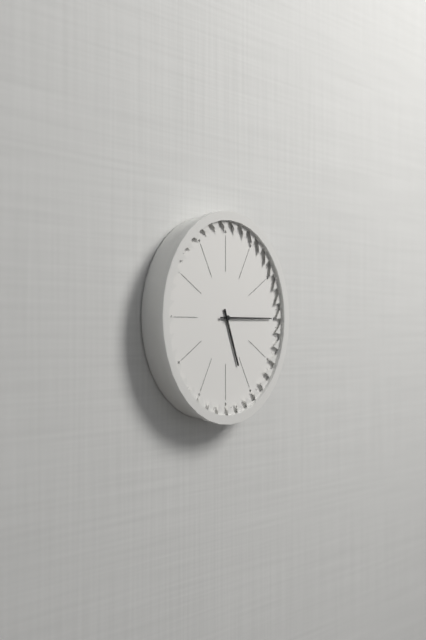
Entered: {"hour": 5, "minute": 15}
